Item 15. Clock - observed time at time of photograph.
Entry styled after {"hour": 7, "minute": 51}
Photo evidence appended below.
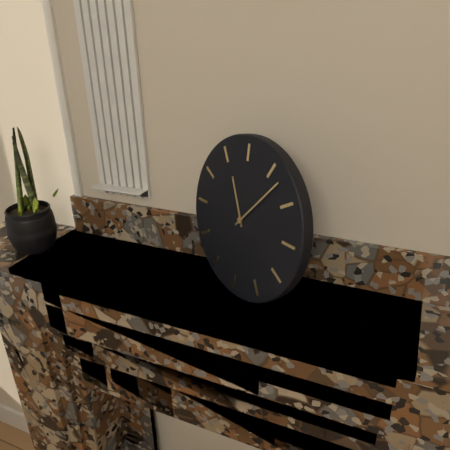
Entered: {"hour": 11, "minute": 7}
